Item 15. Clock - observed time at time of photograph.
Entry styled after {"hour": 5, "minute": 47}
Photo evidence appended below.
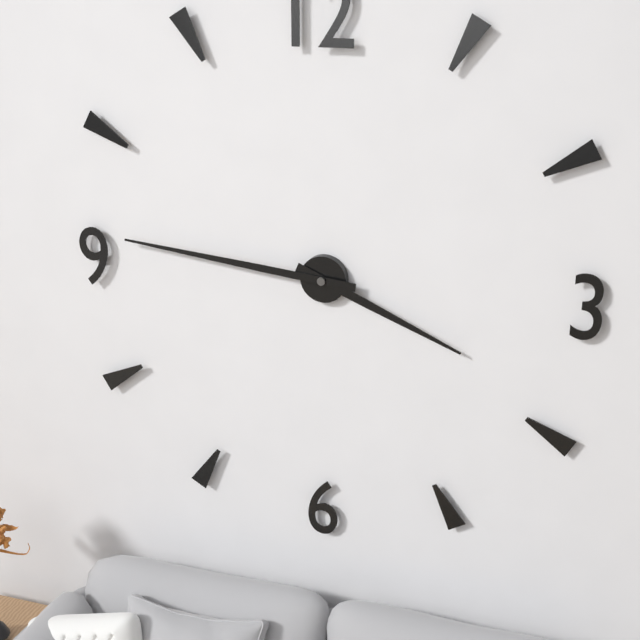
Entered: {"hour": 3, "minute": 46}
